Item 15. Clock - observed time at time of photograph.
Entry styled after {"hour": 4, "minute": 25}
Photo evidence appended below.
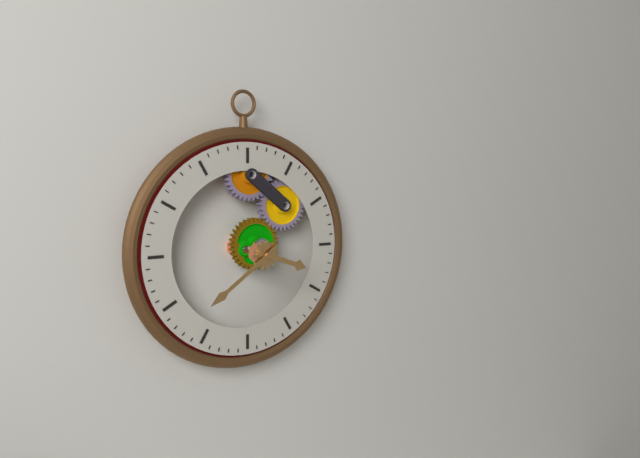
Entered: {"hour": 3, "minute": 39}
